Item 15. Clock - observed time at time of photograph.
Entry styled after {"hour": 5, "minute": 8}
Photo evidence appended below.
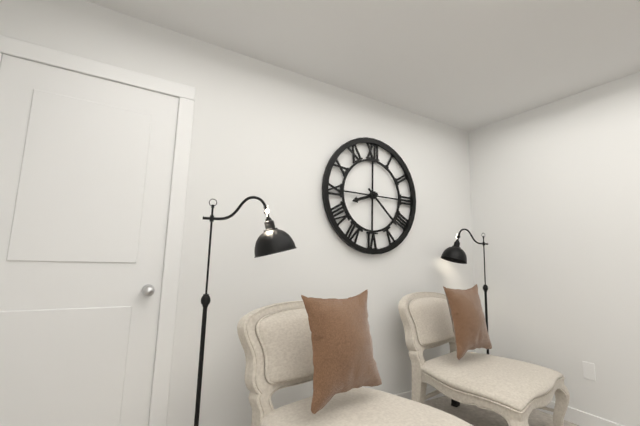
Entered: {"hour": 8, "minute": 22}
